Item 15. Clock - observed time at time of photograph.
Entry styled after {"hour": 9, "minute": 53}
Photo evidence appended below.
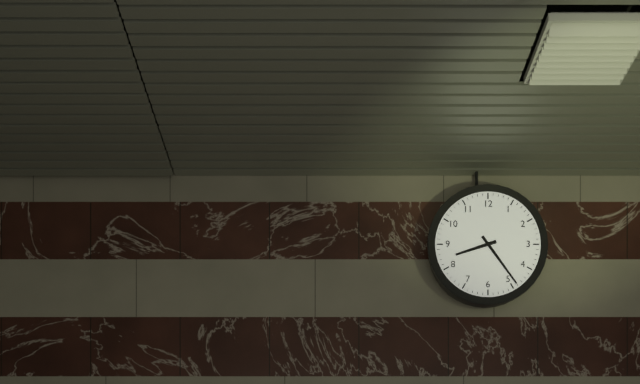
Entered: {"hour": 8, "minute": 24}
